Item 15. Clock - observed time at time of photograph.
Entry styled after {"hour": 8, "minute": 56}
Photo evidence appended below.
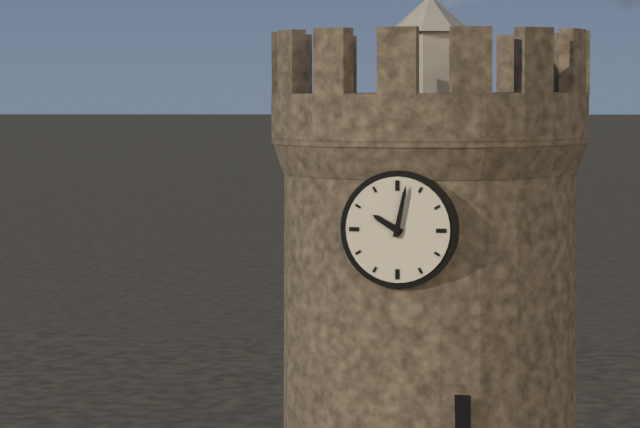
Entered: {"hour": 10, "minute": 2}
